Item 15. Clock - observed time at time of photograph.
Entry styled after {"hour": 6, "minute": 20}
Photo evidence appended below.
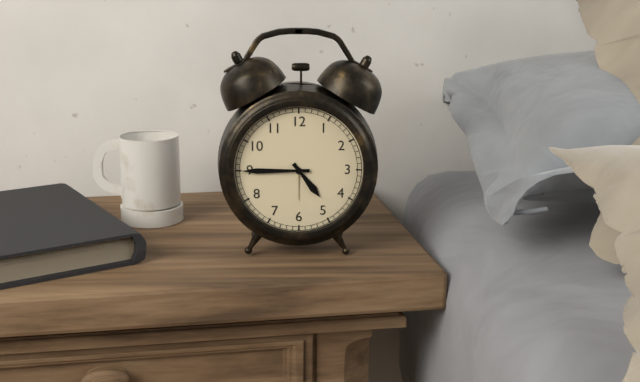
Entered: {"hour": 4, "minute": 45}
